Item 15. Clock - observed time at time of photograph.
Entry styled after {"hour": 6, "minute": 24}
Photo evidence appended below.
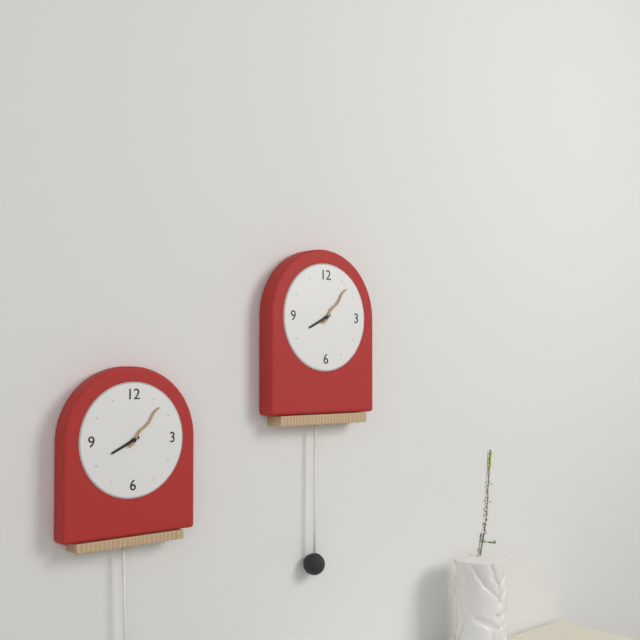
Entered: {"hour": 8, "minute": 7}
